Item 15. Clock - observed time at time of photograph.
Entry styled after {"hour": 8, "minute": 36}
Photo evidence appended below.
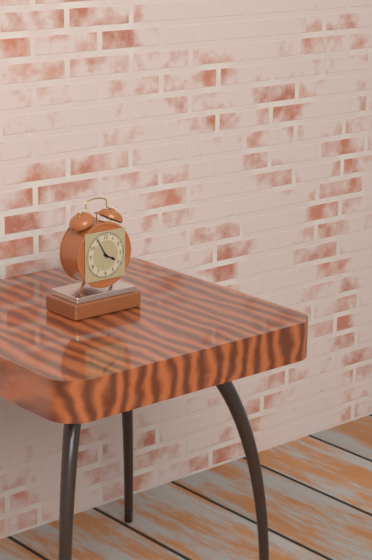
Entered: {"hour": 3, "minute": 55}
